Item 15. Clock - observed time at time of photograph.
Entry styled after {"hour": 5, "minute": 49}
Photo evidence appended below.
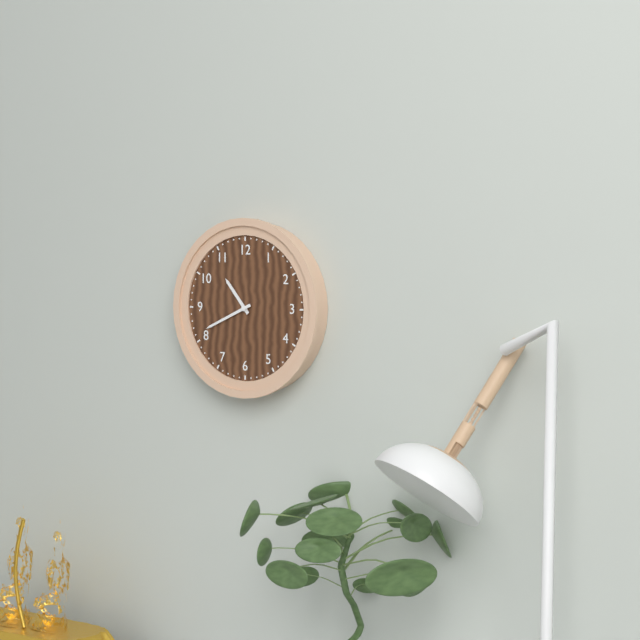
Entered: {"hour": 10, "minute": 41}
